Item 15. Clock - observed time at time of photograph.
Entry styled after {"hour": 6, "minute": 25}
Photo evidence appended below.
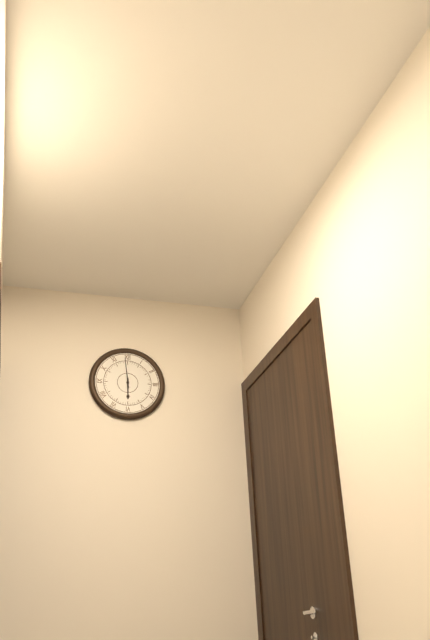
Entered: {"hour": 5, "minute": 59}
